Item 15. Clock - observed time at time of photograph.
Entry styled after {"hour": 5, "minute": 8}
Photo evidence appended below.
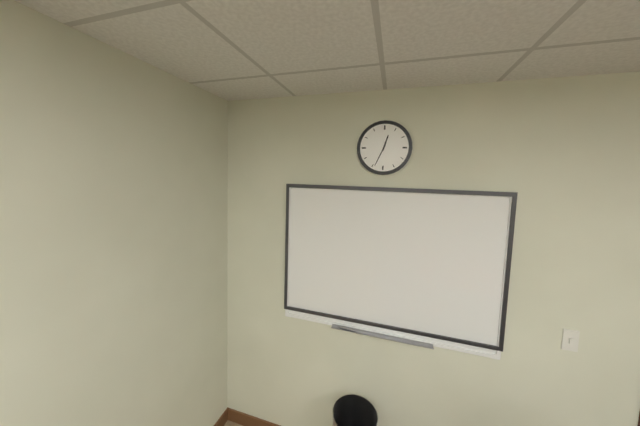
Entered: {"hour": 12, "minute": 34}
